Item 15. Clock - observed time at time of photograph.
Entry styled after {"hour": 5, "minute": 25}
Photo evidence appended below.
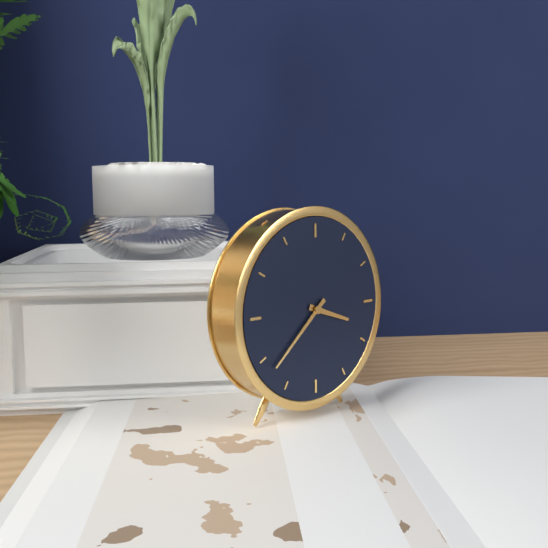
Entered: {"hour": 3, "minute": 38}
